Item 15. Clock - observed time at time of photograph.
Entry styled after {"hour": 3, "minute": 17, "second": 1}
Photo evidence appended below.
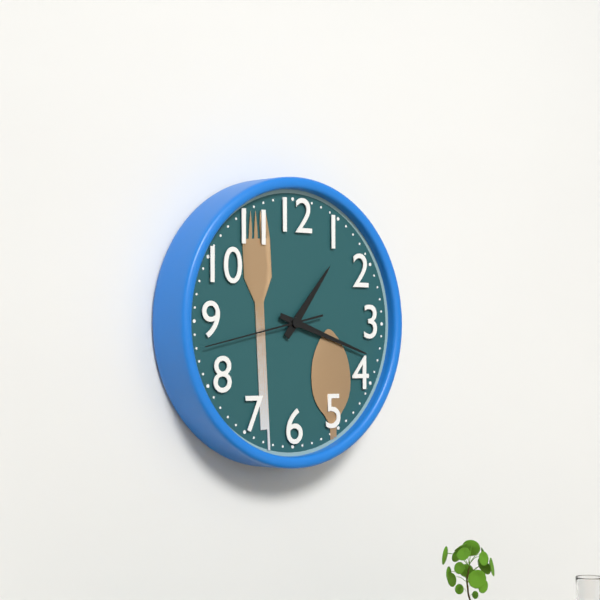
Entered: {"hour": 1, "minute": 18, "second": 43}
